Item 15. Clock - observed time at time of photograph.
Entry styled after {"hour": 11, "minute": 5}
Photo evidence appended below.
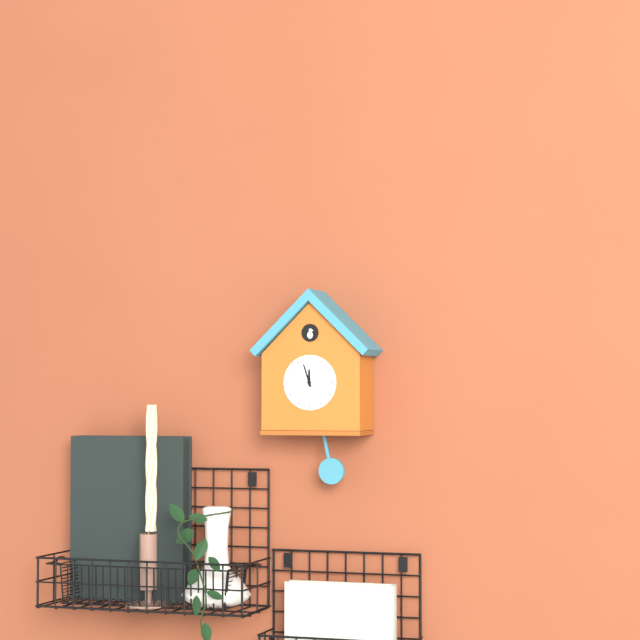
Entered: {"hour": 11, "minute": 57}
